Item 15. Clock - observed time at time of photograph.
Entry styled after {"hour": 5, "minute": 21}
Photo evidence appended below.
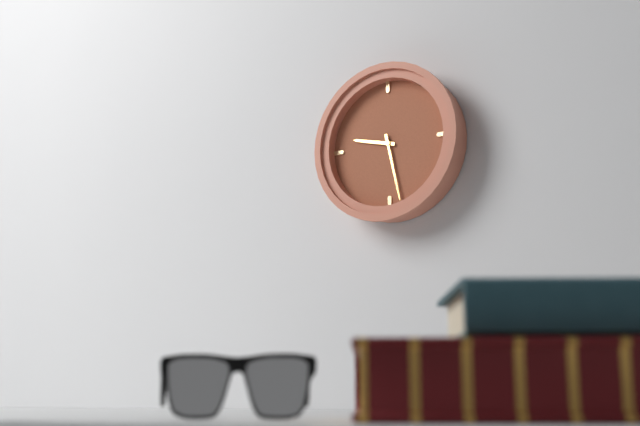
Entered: {"hour": 9, "minute": 28}
